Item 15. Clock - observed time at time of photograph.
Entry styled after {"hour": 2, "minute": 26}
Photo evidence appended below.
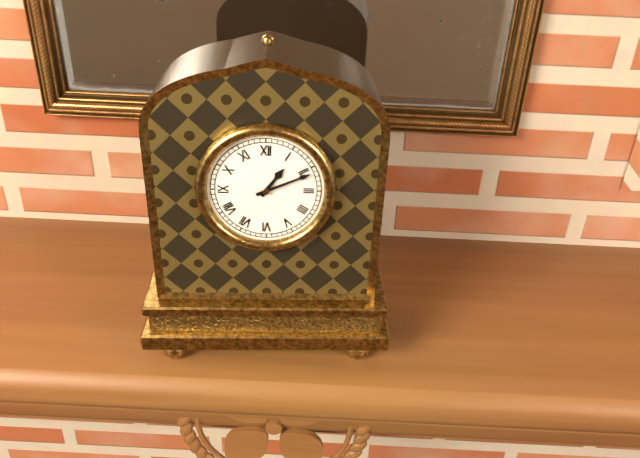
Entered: {"hour": 1, "minute": 11}
